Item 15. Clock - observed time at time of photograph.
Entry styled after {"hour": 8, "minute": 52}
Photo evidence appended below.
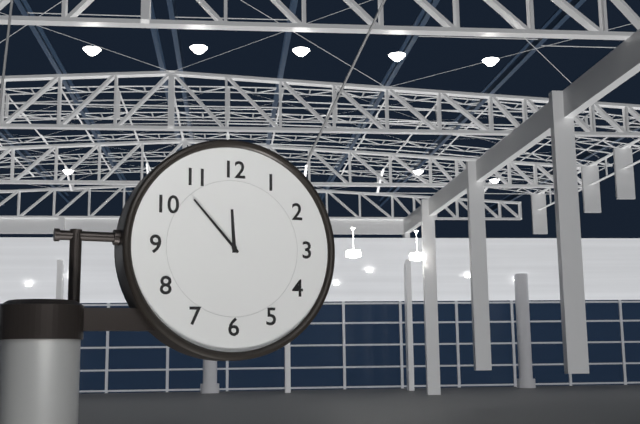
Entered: {"hour": 11, "minute": 53}
